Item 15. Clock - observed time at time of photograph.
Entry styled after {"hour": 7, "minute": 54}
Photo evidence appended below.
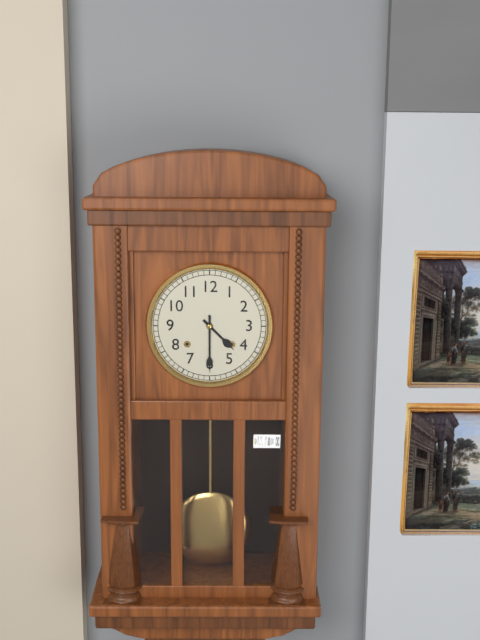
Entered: {"hour": 4, "minute": 30}
